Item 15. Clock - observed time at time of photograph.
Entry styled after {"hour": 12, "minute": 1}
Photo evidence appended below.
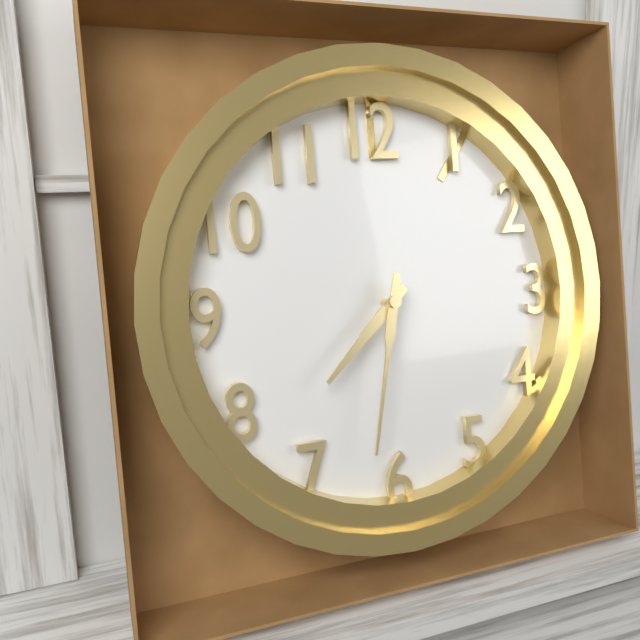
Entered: {"hour": 7, "minute": 32}
